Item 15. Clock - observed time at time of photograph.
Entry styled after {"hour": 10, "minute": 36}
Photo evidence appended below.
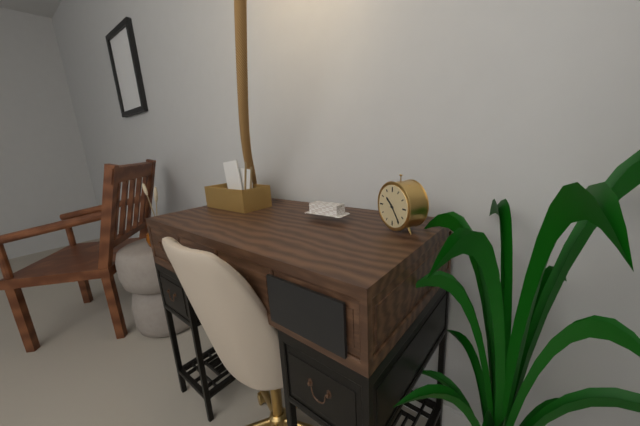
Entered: {"hour": 10, "minute": 24}
